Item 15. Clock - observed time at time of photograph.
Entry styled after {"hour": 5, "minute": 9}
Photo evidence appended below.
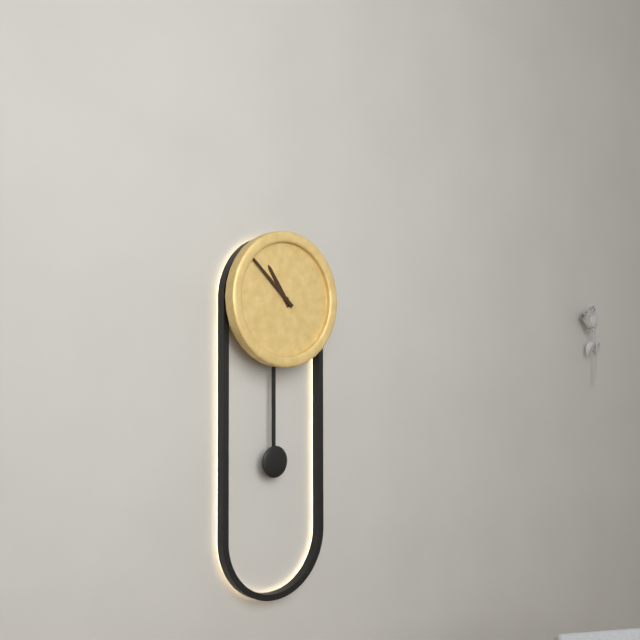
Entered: {"hour": 10, "minute": 52}
